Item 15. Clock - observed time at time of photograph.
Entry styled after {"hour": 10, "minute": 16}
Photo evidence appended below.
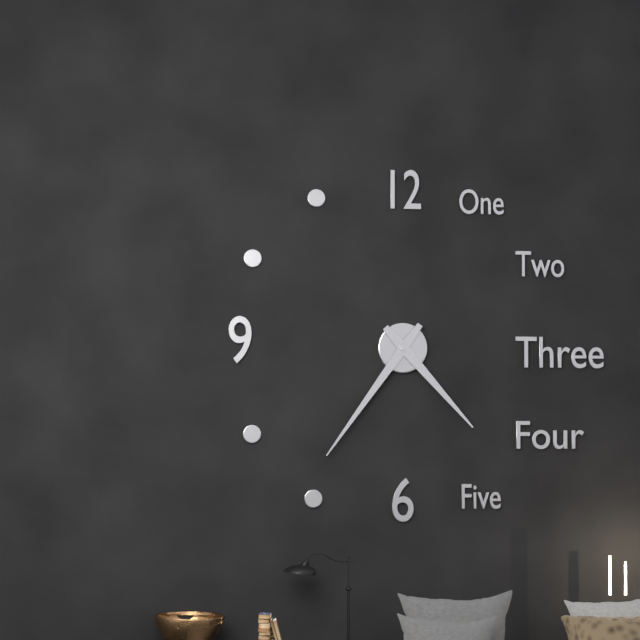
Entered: {"hour": 4, "minute": 36}
